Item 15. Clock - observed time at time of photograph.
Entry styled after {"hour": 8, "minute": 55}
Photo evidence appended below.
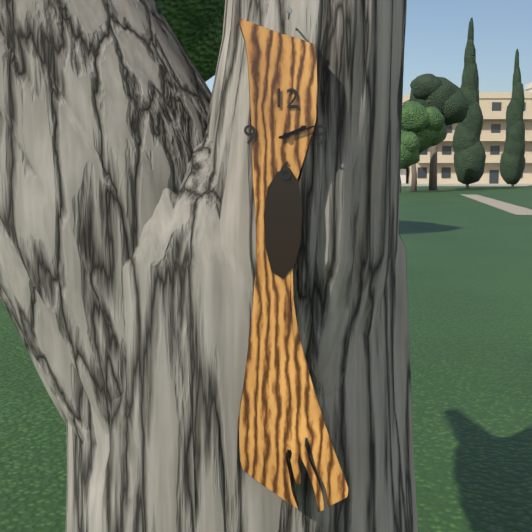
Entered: {"hour": 2, "minute": 12}
